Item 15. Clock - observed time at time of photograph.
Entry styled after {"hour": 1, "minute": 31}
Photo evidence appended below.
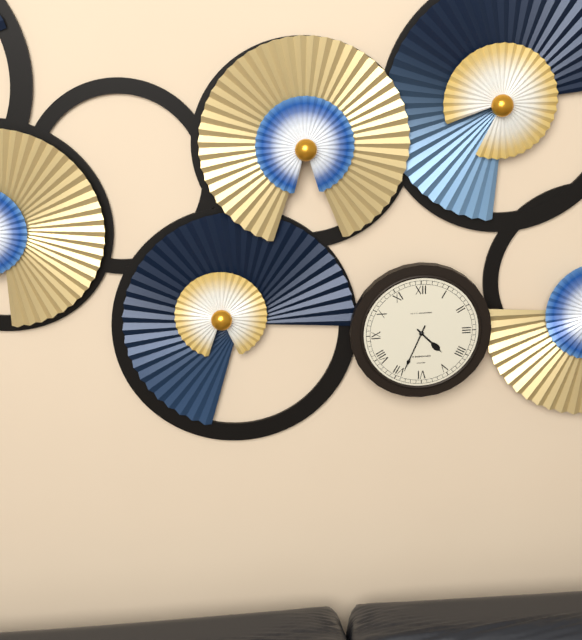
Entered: {"hour": 4, "minute": 34}
